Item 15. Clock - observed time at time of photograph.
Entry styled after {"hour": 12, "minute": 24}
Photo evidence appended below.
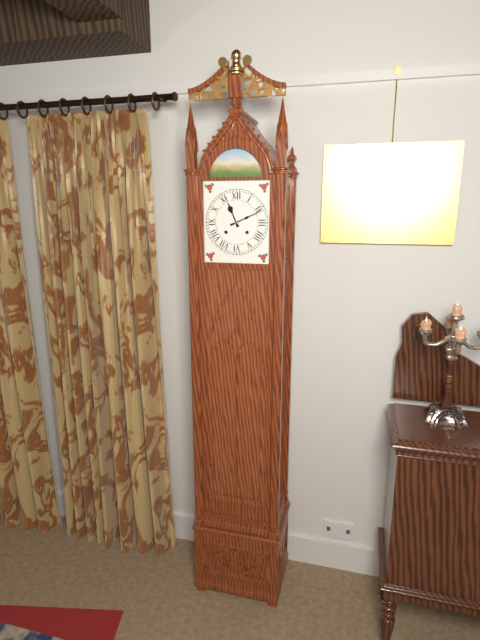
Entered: {"hour": 11, "minute": 11}
